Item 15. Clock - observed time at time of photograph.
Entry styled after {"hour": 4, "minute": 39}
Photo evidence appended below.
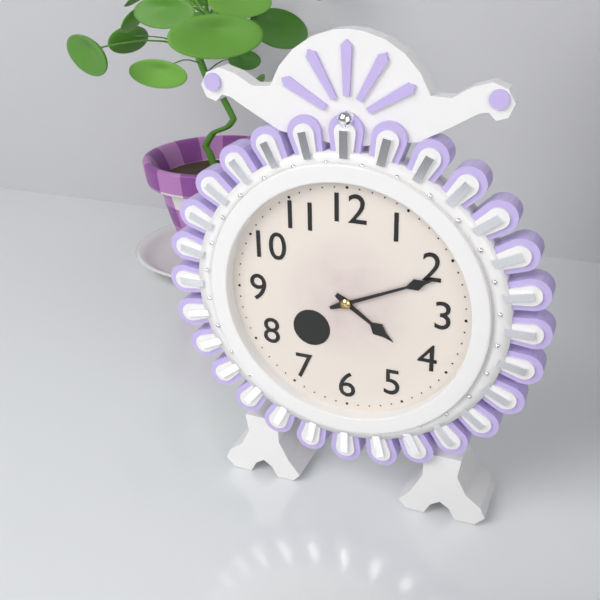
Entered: {"hour": 4, "minute": 11}
